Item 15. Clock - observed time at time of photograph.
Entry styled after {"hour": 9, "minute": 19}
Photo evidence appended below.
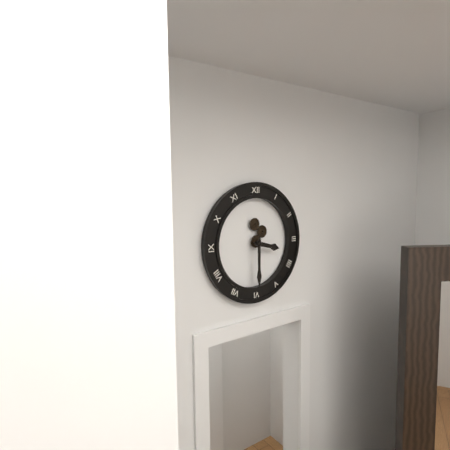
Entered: {"hour": 3, "minute": 30}
